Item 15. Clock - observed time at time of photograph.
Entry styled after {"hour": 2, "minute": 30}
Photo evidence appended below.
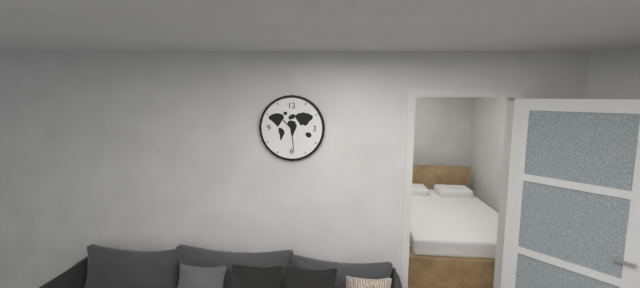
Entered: {"hour": 10, "minute": 29}
